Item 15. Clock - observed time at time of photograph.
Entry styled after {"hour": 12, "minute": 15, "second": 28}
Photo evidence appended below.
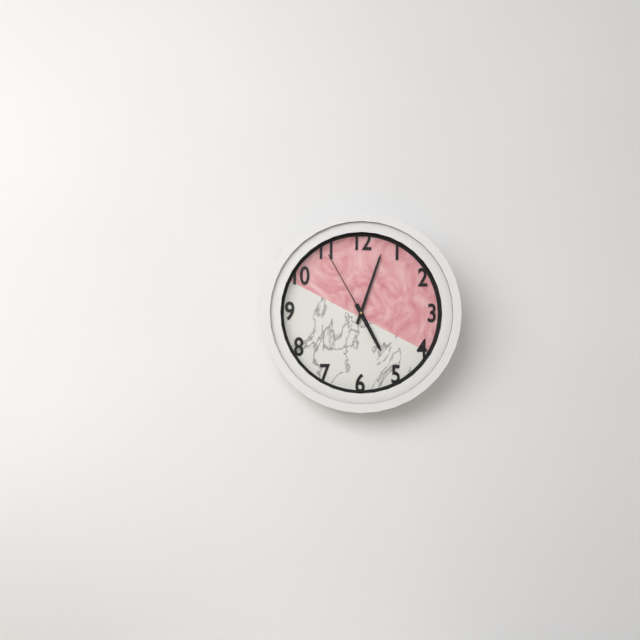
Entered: {"hour": 5, "minute": 3, "second": 55}
